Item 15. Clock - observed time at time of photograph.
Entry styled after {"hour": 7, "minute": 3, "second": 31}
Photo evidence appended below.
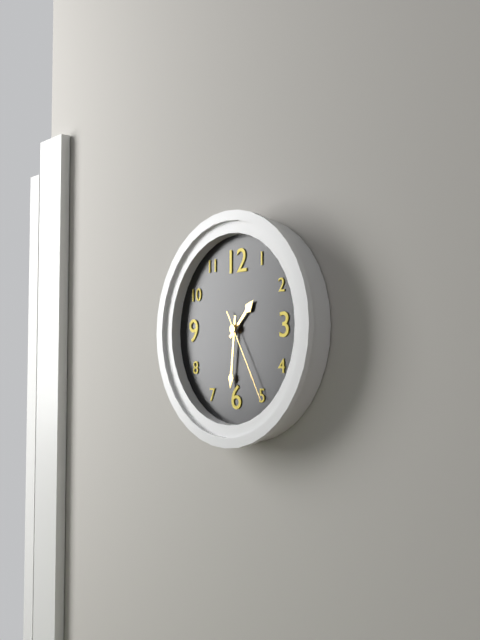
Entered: {"hour": 1, "minute": 31, "second": 25}
